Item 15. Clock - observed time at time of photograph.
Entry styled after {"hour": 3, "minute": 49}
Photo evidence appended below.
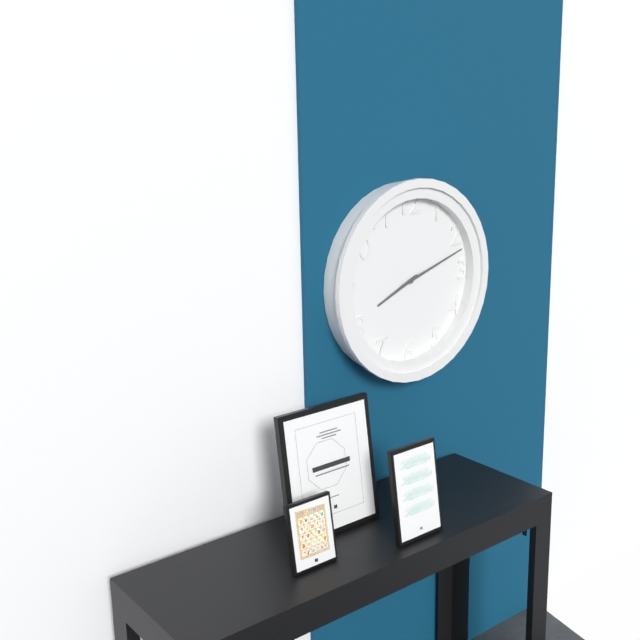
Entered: {"hour": 8, "minute": 12}
